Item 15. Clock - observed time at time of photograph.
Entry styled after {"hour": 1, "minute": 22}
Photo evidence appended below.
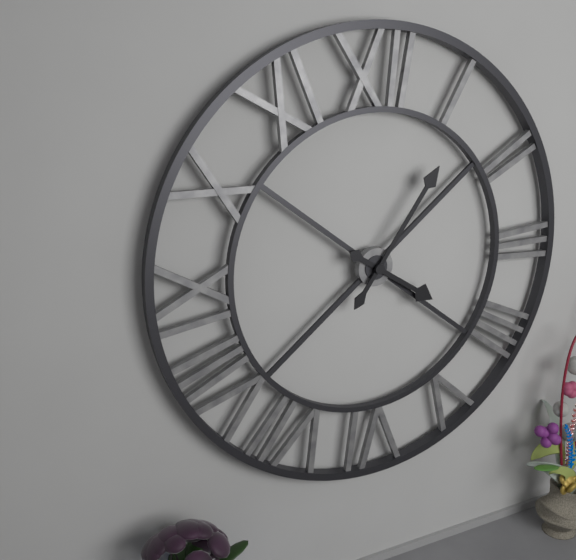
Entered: {"hour": 4, "minute": 6}
